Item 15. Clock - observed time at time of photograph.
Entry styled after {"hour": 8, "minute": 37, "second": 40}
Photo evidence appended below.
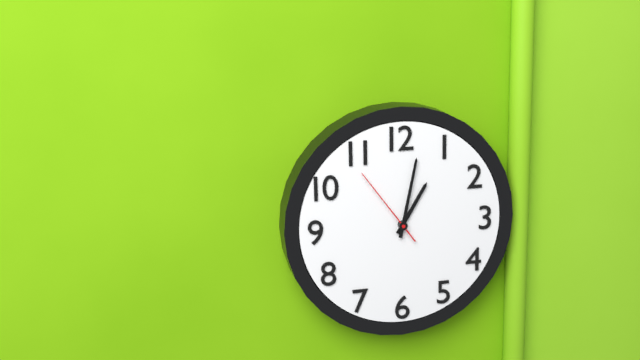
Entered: {"hour": 1, "minute": 2, "second": 54}
